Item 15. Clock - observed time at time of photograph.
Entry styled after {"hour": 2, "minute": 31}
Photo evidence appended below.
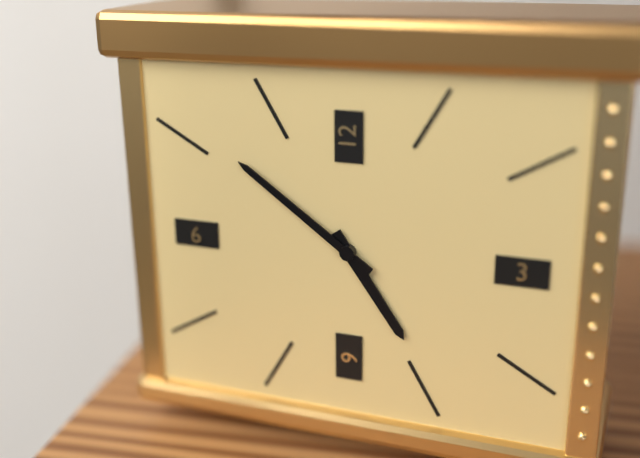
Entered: {"hour": 4, "minute": 51}
